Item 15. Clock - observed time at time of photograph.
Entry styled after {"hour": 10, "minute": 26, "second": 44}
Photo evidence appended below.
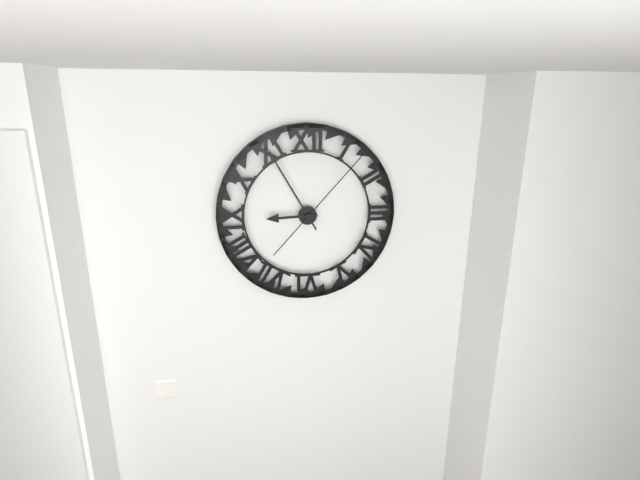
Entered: {"hour": 8, "minute": 55, "second": 7}
